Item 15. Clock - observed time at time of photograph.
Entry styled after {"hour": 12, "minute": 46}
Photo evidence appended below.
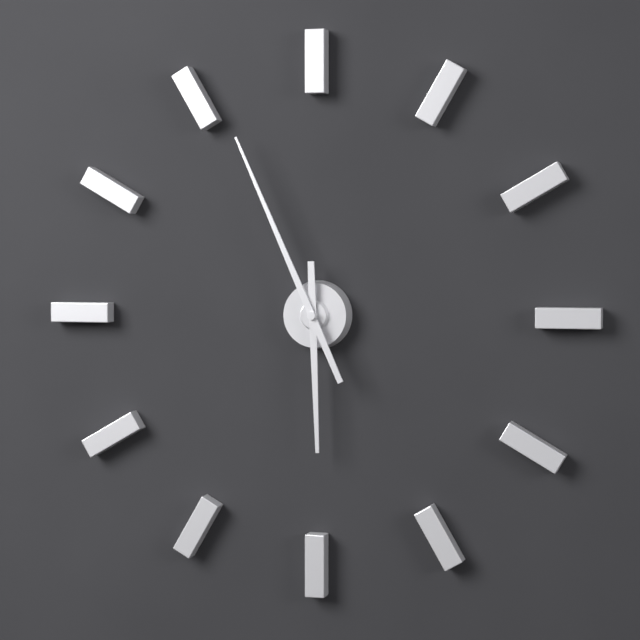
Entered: {"hour": 5, "minute": 56}
